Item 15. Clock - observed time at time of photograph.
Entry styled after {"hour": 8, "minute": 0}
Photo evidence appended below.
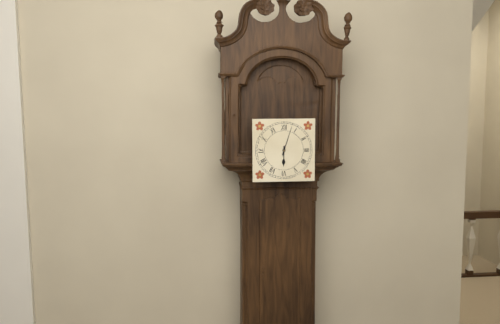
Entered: {"hour": 6, "minute": 3}
